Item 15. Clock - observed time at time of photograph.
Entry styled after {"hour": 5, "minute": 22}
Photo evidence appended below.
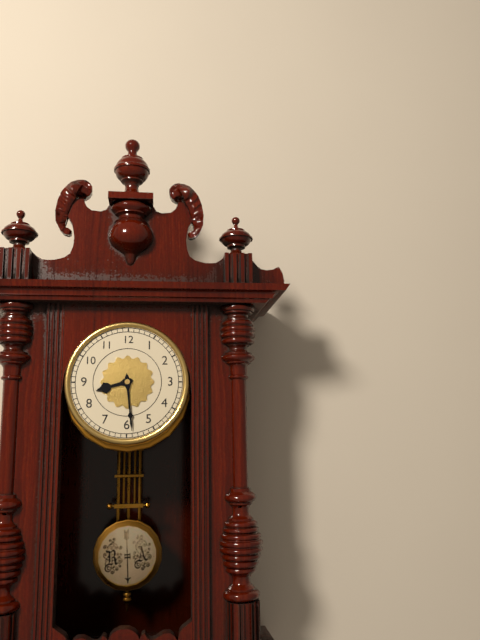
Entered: {"hour": 8, "minute": 29}
